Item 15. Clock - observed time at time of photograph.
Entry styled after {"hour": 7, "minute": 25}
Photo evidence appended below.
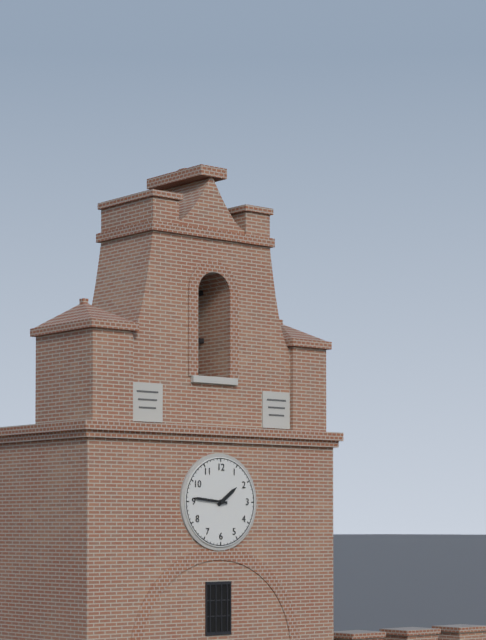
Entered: {"hour": 1, "minute": 46}
